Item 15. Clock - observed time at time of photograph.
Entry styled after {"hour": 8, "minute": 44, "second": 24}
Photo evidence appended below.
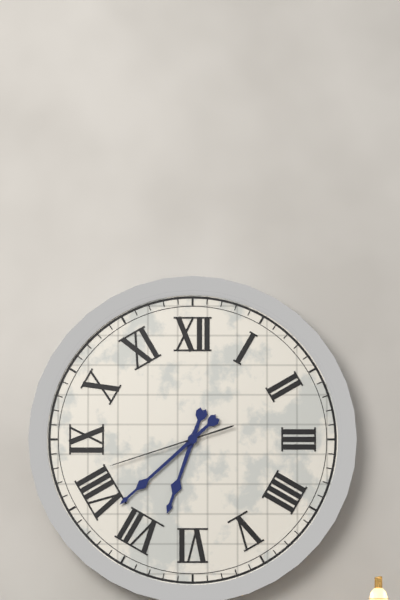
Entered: {"hour": 6, "minute": 38, "second": 42}
